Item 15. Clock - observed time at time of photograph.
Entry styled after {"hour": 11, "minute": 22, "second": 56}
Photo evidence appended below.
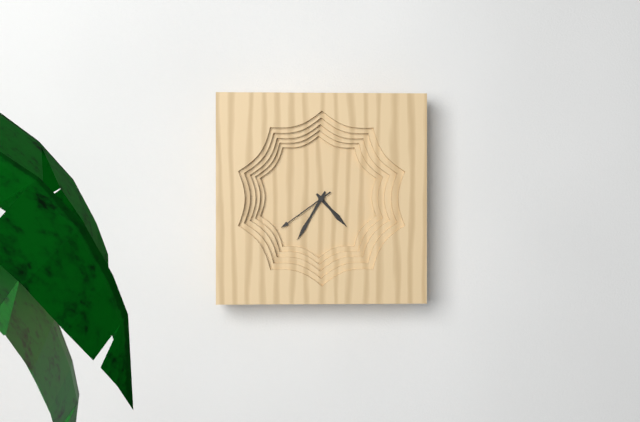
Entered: {"hour": 4, "minute": 35, "second": 39}
